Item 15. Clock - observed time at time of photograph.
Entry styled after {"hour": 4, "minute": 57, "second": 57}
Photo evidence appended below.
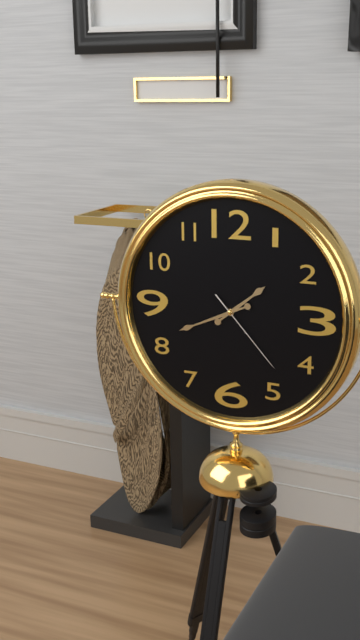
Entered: {"hour": 1, "minute": 41, "second": 23}
